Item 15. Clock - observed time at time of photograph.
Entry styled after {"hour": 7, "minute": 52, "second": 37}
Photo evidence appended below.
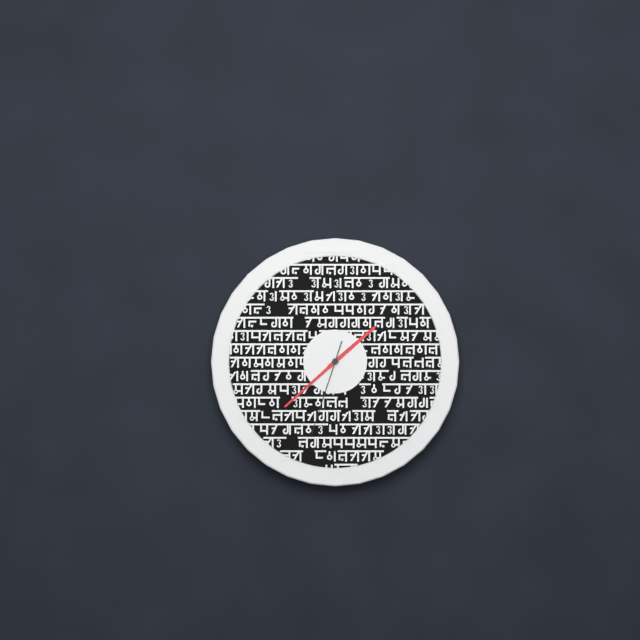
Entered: {"hour": 1, "minute": 38, "second": 33}
